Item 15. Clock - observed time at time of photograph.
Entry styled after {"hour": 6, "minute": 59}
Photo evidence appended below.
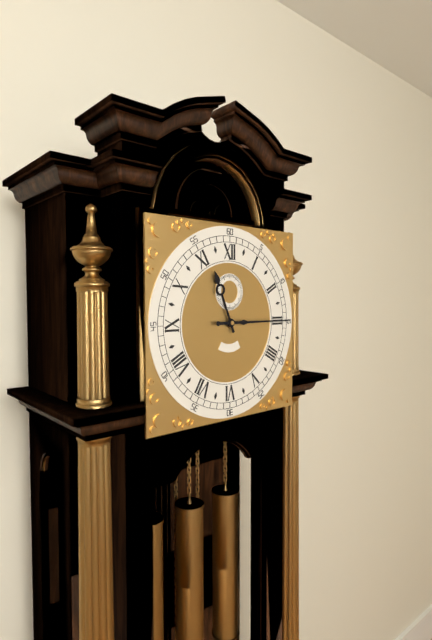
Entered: {"hour": 11, "minute": 15}
